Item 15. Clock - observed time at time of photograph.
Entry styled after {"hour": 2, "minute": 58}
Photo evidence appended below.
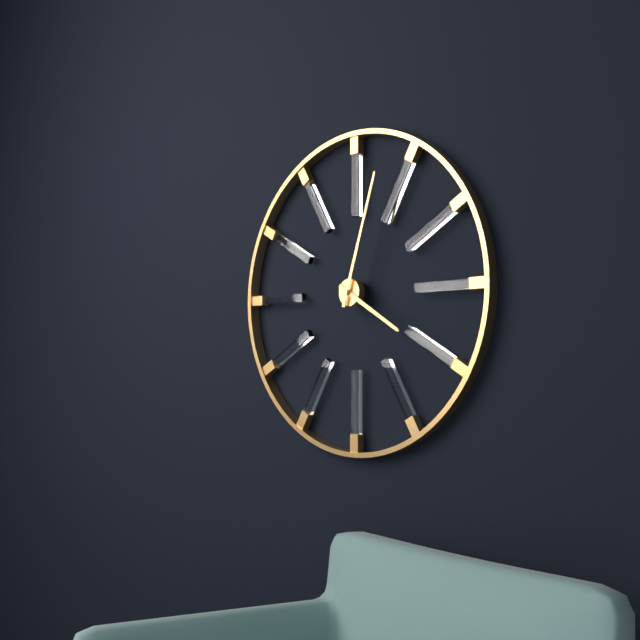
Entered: {"hour": 4, "minute": 3}
